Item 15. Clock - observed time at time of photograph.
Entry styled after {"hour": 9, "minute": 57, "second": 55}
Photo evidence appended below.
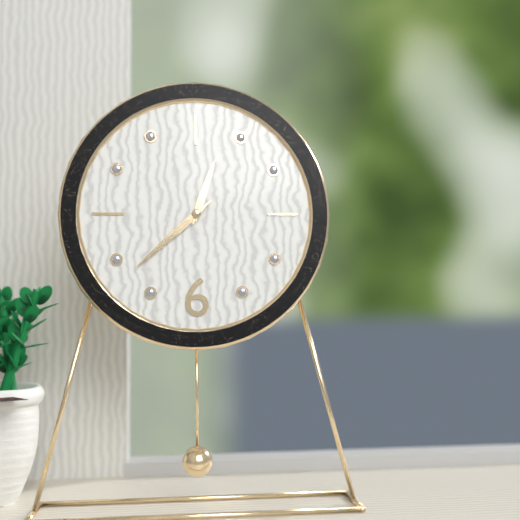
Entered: {"hour": 12, "minute": 38, "second": 38}
